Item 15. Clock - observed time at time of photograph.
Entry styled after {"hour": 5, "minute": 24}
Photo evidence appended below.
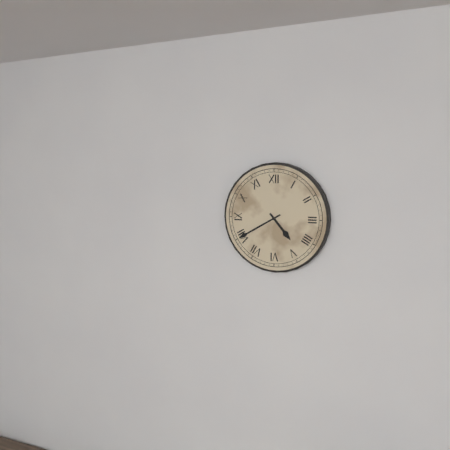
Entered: {"hour": 4, "minute": 40}
